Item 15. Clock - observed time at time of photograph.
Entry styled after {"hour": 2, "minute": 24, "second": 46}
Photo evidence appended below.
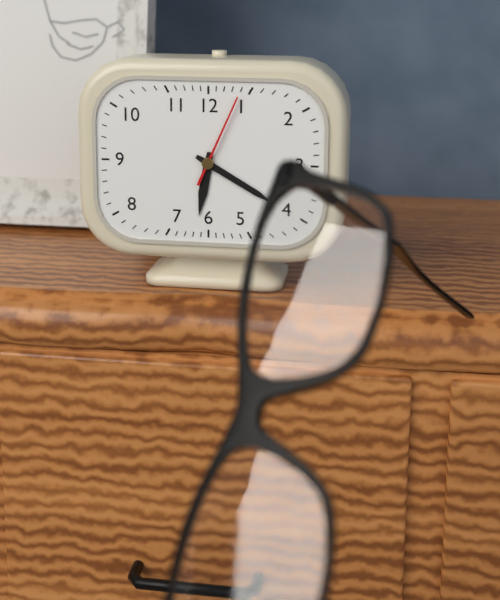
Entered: {"hour": 6, "minute": 20, "second": 4}
